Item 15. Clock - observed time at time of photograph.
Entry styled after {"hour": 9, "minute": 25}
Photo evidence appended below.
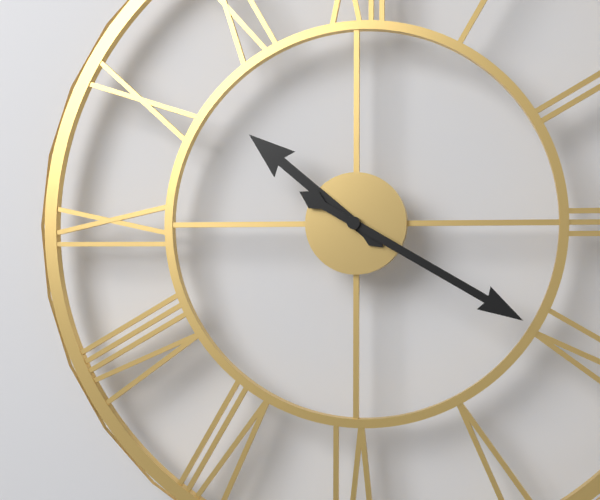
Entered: {"hour": 10, "minute": 20}
